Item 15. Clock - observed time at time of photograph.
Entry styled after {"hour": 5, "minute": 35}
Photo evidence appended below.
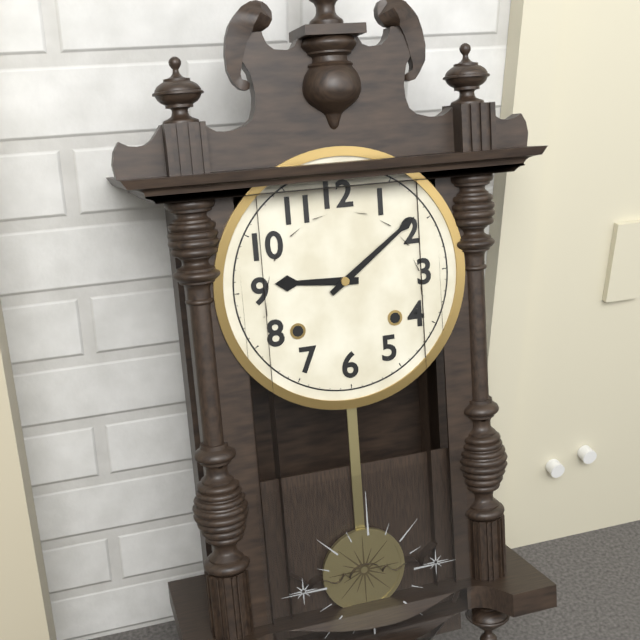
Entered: {"hour": 9, "minute": 9}
